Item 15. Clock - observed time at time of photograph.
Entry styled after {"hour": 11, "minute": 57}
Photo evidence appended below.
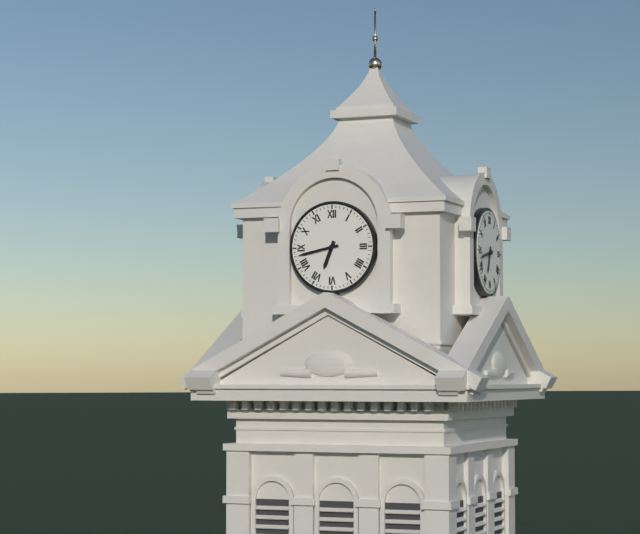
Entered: {"hour": 6, "minute": 43}
